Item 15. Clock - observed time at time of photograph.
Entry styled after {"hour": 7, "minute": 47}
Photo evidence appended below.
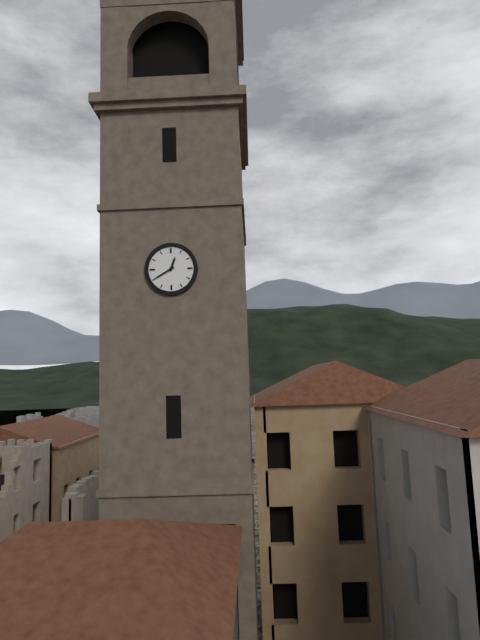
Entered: {"hour": 12, "minute": 40}
